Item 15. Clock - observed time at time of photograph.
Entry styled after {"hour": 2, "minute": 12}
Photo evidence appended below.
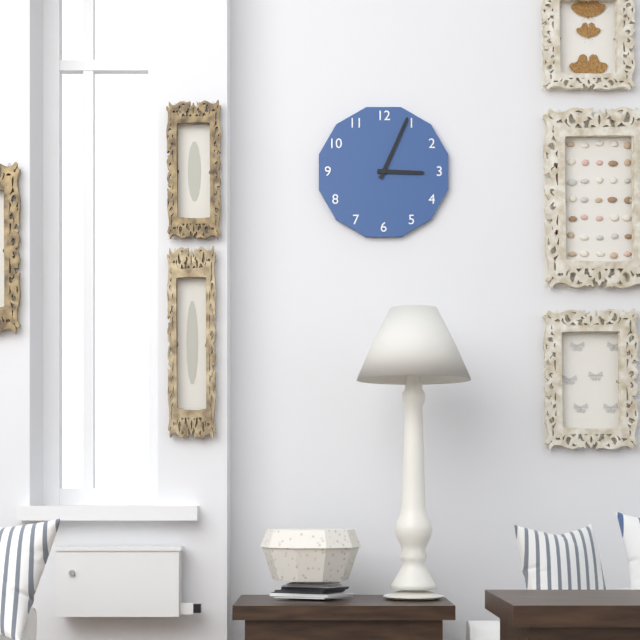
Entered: {"hour": 3, "minute": 4}
